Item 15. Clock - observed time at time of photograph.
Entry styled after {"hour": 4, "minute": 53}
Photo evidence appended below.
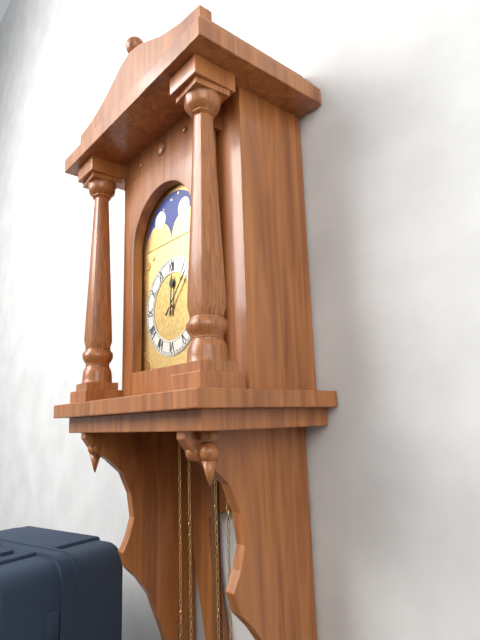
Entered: {"hour": 12, "minute": 7}
